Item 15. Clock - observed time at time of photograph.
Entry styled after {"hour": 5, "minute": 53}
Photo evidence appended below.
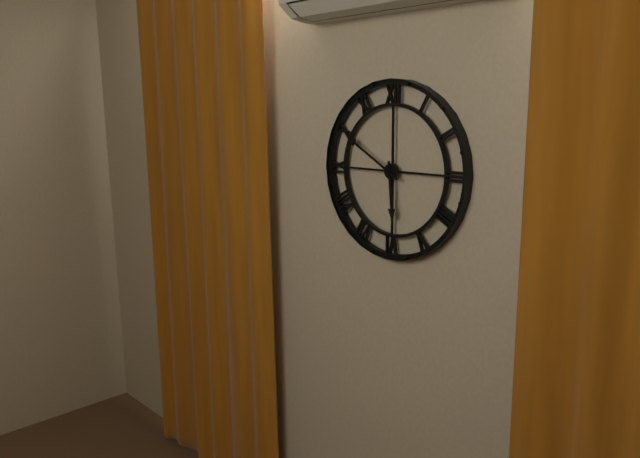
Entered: {"hour": 5, "minute": 50}
